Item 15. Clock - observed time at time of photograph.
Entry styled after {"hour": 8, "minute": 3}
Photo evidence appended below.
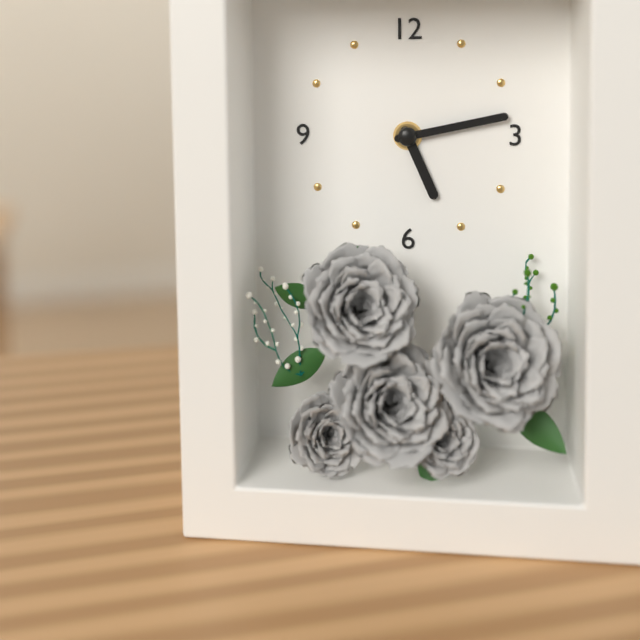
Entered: {"hour": 5, "minute": 13}
